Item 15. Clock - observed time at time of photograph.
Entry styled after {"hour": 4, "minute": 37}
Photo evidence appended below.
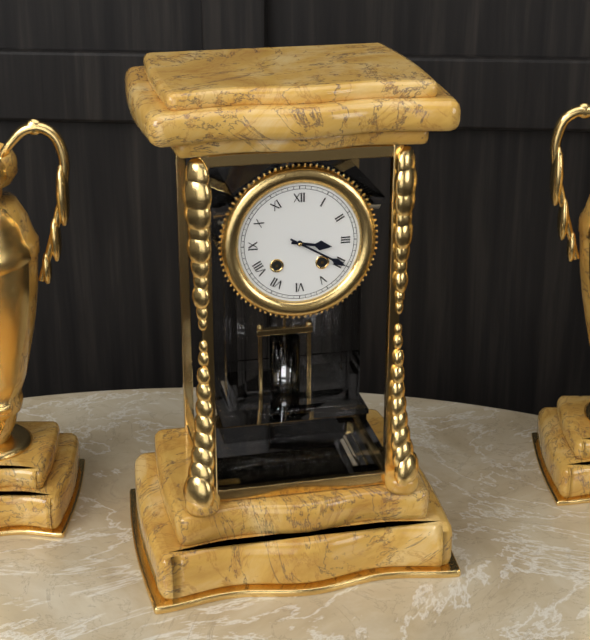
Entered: {"hour": 3, "minute": 20}
